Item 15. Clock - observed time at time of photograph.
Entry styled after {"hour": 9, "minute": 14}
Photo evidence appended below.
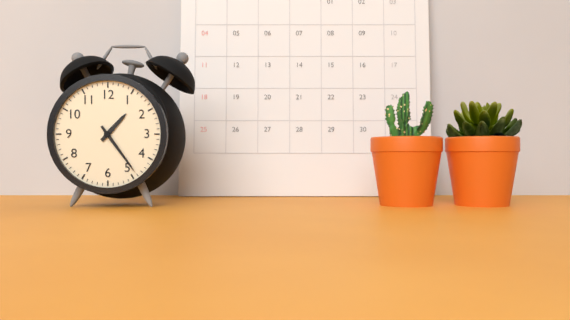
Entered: {"hour": 1, "minute": 24}
